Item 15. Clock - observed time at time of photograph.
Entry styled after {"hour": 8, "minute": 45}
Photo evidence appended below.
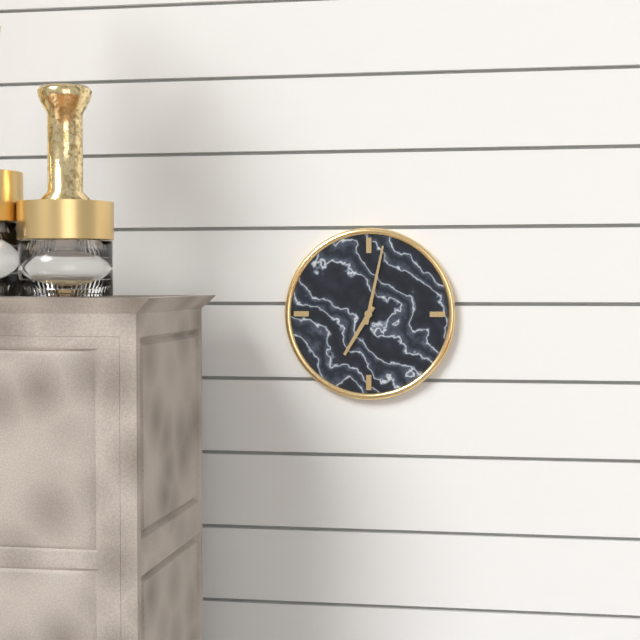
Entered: {"hour": 7, "minute": 2}
